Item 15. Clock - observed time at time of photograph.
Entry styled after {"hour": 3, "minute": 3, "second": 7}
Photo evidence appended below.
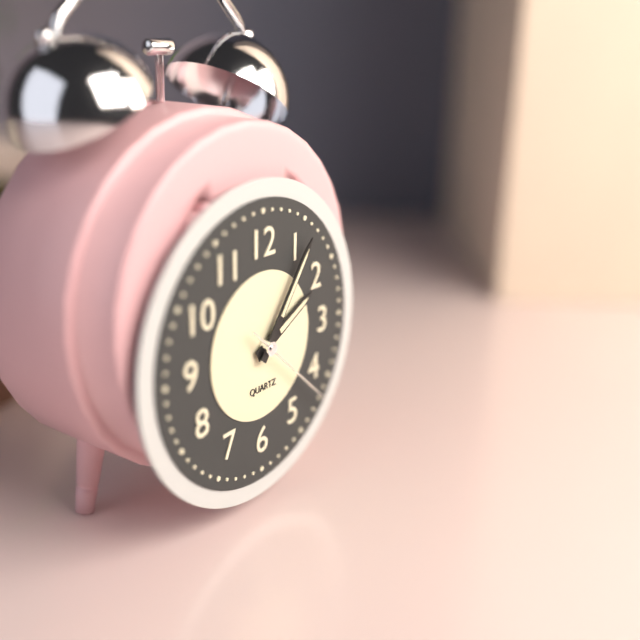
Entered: {"hour": 2, "minute": 6, "second": 22}
